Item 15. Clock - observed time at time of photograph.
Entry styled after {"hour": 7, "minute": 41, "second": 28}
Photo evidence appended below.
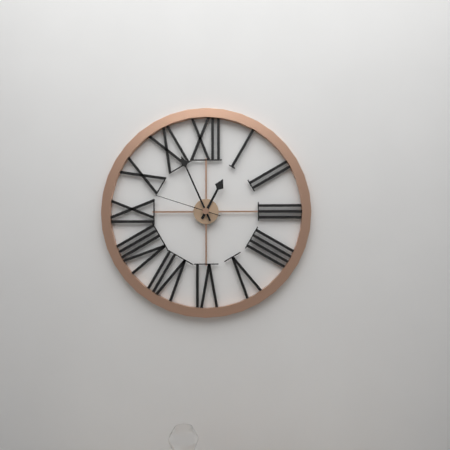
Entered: {"hour": 12, "minute": 56, "second": 48}
